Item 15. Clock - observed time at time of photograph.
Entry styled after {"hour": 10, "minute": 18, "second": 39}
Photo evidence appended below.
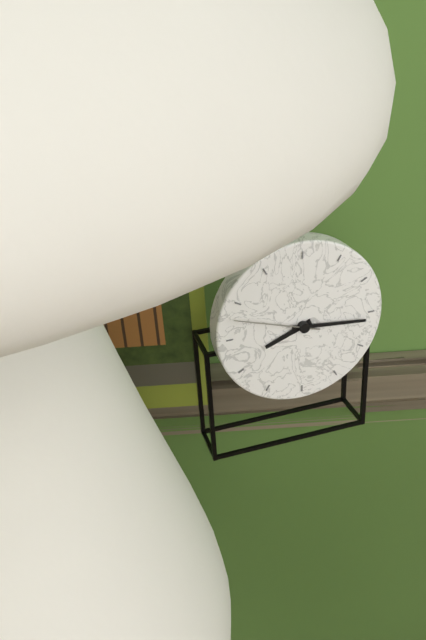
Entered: {"hour": 8, "minute": 16, "second": 48}
